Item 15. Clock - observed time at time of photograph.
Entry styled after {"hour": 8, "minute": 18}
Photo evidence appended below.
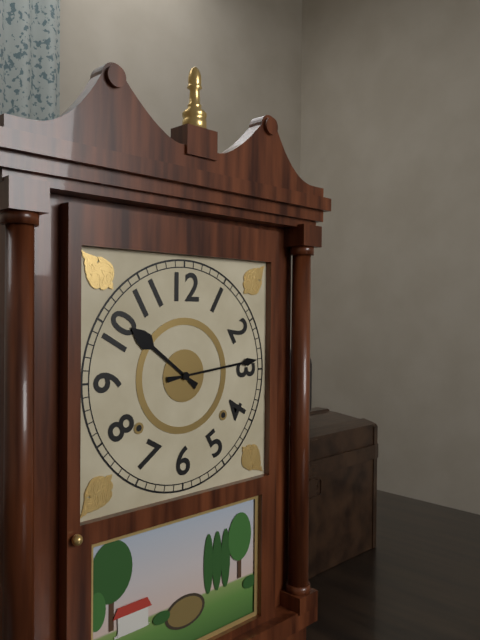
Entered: {"hour": 10, "minute": 14}
